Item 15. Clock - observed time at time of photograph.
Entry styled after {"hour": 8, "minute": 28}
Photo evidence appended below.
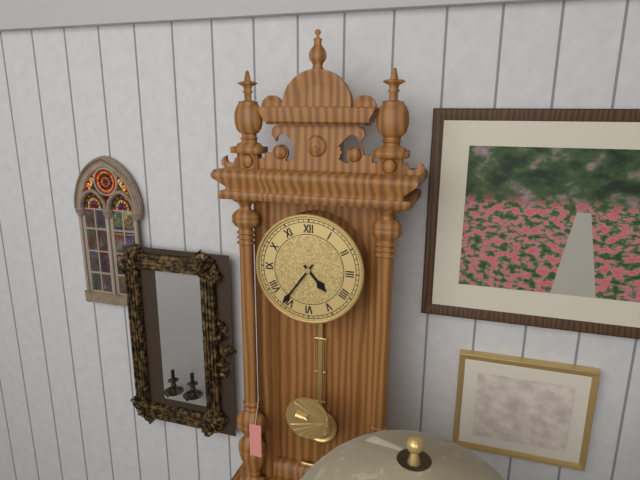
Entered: {"hour": 4, "minute": 36}
